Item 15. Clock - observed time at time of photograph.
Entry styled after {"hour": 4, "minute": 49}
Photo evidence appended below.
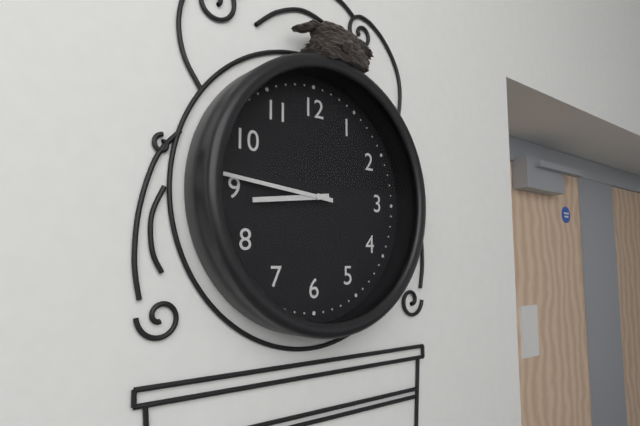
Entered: {"hour": 8, "minute": 46}
